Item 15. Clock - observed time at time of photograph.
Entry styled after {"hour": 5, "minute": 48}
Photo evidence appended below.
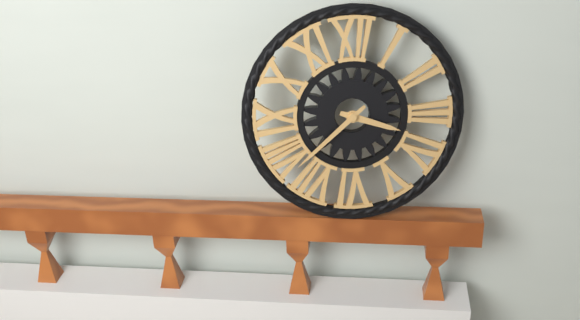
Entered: {"hour": 3, "minute": 38}
